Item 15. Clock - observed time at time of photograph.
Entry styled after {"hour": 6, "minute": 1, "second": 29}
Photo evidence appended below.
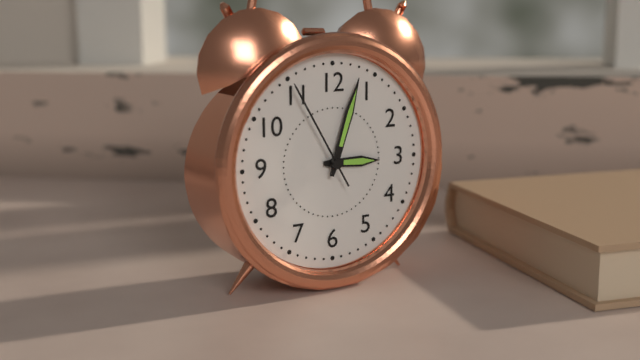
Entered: {"hour": 3, "minute": 3, "second": 55}
